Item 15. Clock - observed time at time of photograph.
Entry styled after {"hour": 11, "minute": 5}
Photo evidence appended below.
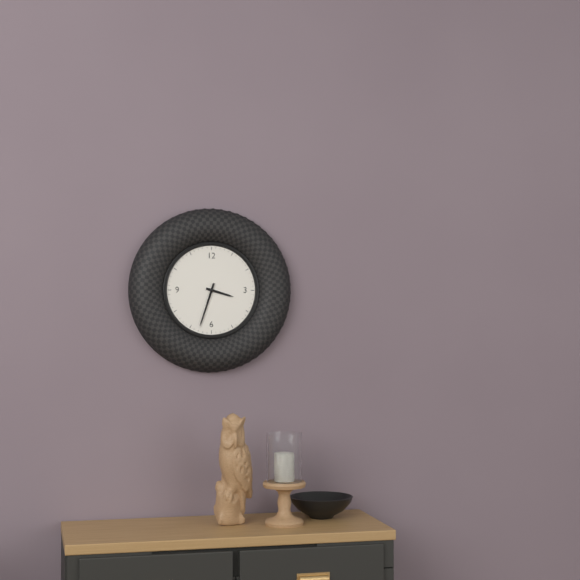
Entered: {"hour": 3, "minute": 33}
